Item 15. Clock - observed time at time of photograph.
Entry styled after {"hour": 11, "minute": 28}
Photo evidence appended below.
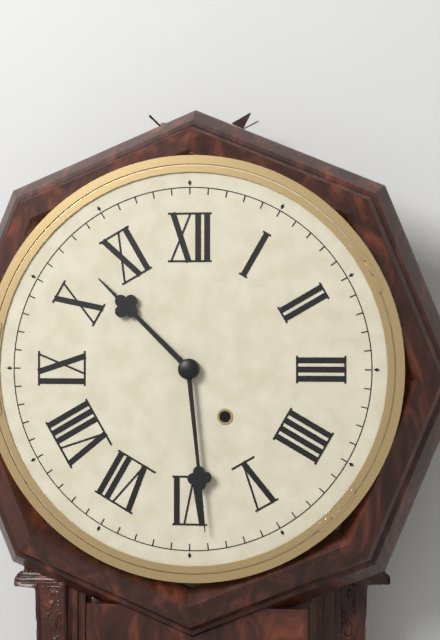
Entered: {"hour": 10, "minute": 29}
